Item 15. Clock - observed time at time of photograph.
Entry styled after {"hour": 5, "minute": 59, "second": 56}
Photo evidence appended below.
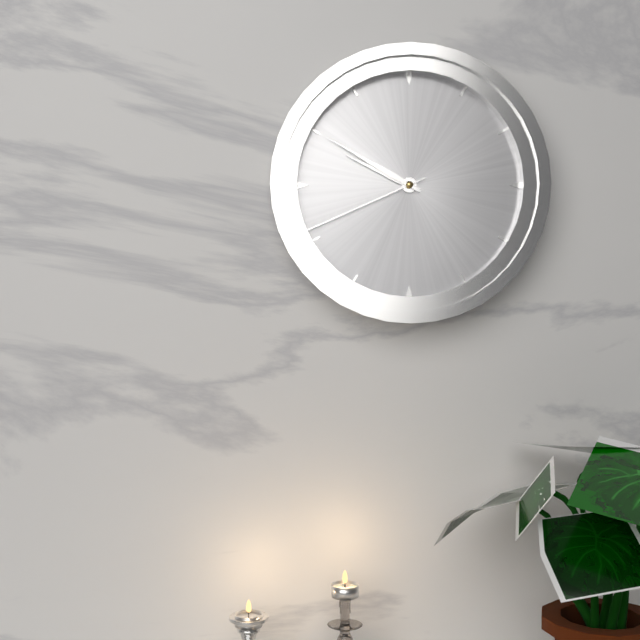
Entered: {"hour": 9, "minute": 50, "second": 41}
